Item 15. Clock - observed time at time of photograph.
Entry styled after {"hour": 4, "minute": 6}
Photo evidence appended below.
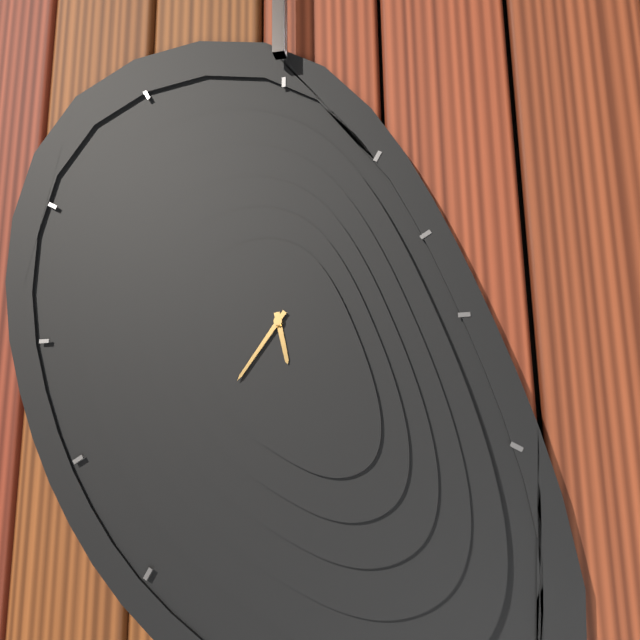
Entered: {"hour": 5, "minute": 36}
